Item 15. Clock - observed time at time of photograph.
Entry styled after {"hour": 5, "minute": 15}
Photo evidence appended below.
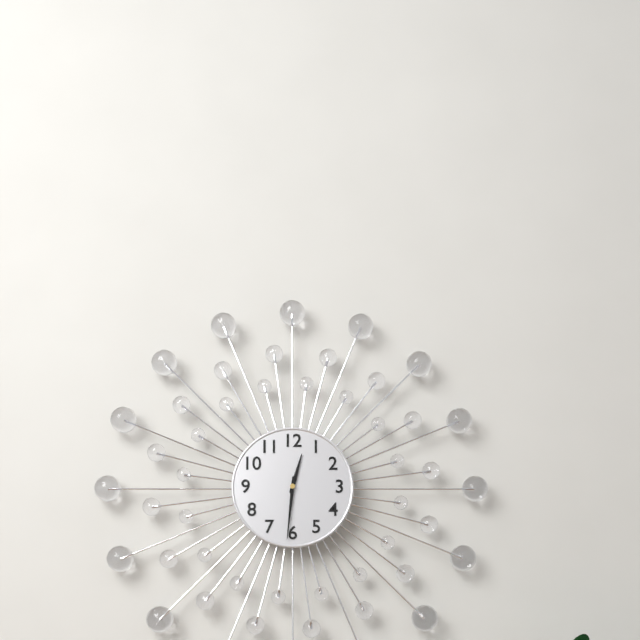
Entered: {"hour": 12, "minute": 31}
